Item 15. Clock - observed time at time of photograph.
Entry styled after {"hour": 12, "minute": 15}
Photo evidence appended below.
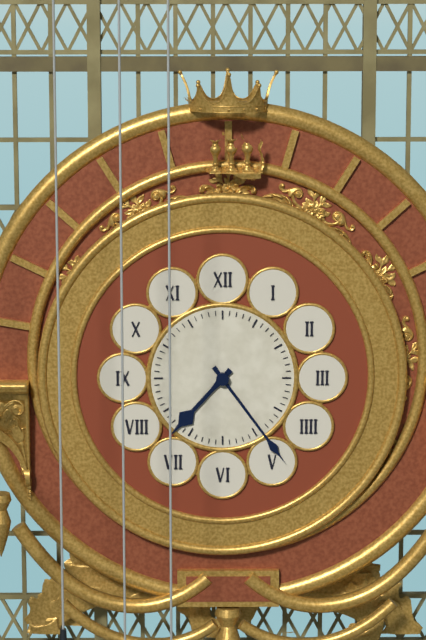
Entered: {"hour": 7, "minute": 24}
